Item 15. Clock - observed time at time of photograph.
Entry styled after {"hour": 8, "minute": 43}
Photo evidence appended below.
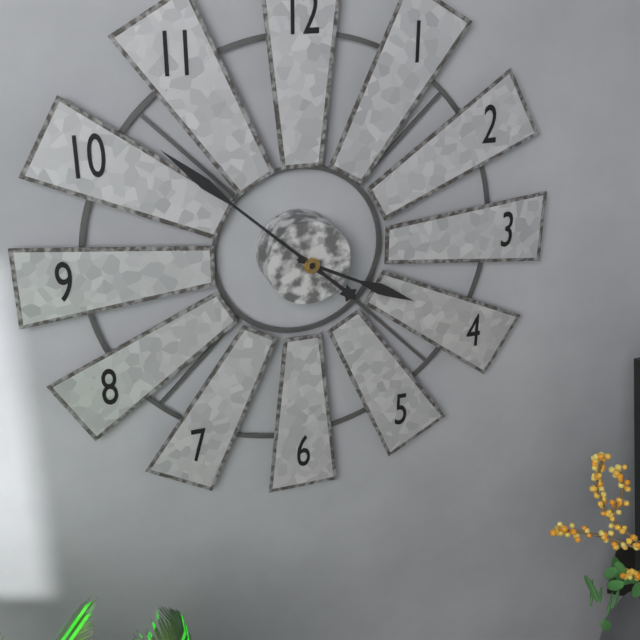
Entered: {"hour": 3, "minute": 52}
